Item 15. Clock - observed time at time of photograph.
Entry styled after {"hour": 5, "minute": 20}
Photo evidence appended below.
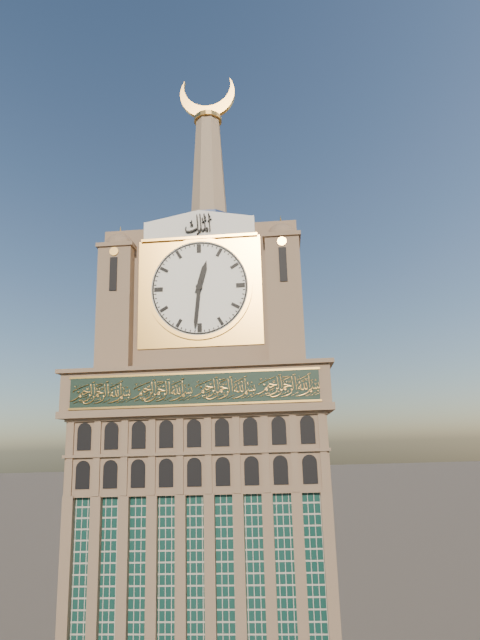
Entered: {"hour": 12, "minute": 31}
